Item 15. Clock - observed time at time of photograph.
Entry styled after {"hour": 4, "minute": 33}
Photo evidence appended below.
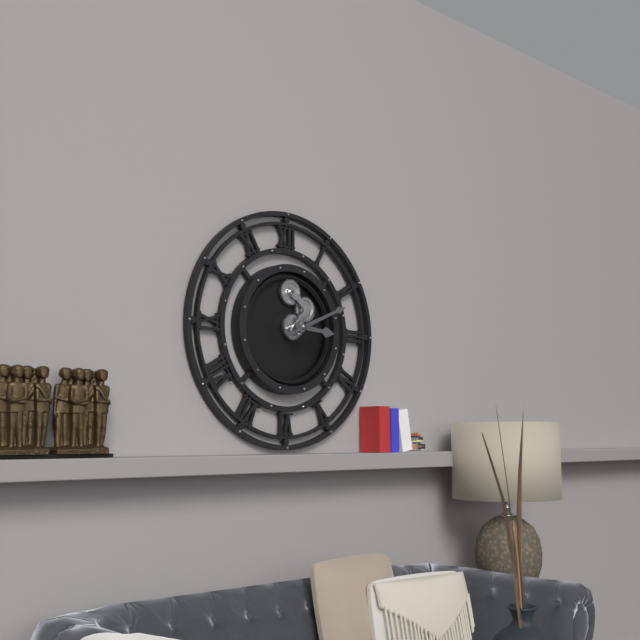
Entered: {"hour": 3, "minute": 11}
